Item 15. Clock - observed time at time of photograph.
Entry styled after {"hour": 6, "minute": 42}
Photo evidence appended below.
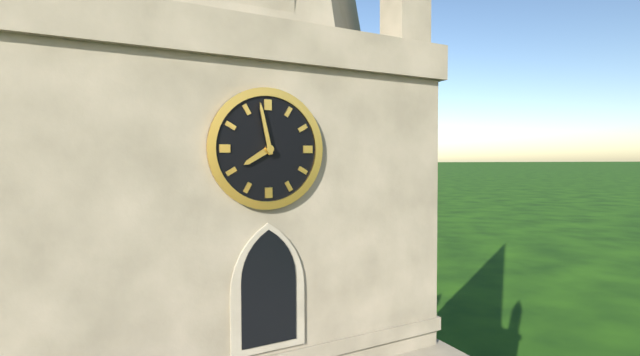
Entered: {"hour": 7, "minute": 58}
